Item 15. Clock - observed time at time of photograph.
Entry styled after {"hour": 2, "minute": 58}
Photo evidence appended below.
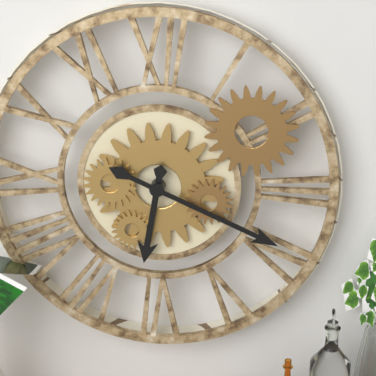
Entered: {"hour": 6, "minute": 19}
